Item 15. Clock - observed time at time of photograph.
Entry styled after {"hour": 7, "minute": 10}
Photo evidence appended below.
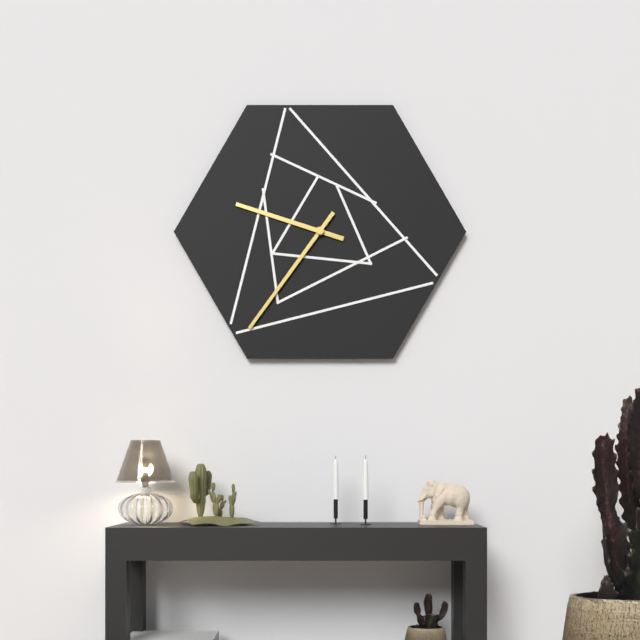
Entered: {"hour": 9, "minute": 36}
